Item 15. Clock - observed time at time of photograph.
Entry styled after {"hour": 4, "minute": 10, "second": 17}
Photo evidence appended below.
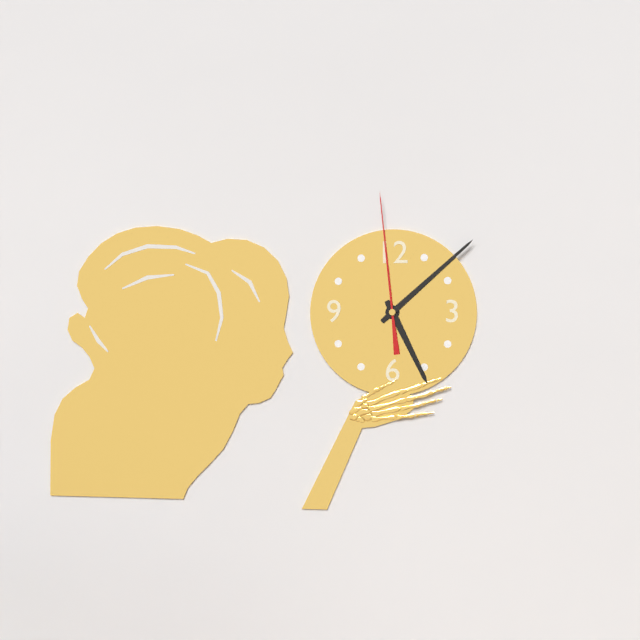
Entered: {"hour": 5, "minute": 8, "second": 59}
